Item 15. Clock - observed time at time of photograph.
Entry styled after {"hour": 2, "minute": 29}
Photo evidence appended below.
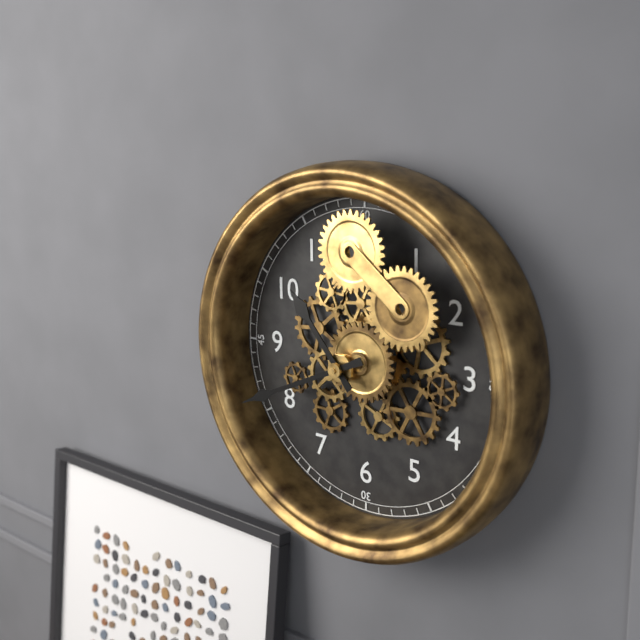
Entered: {"hour": 10, "minute": 41}
